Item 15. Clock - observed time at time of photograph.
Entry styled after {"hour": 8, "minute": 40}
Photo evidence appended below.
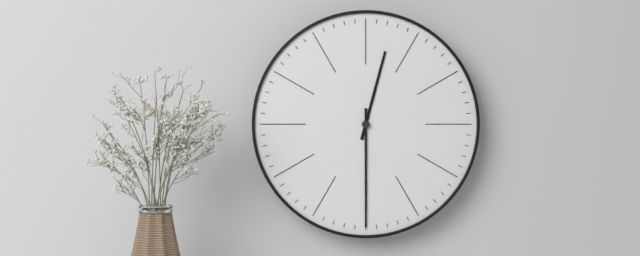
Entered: {"hour": 12, "minute": 30}
